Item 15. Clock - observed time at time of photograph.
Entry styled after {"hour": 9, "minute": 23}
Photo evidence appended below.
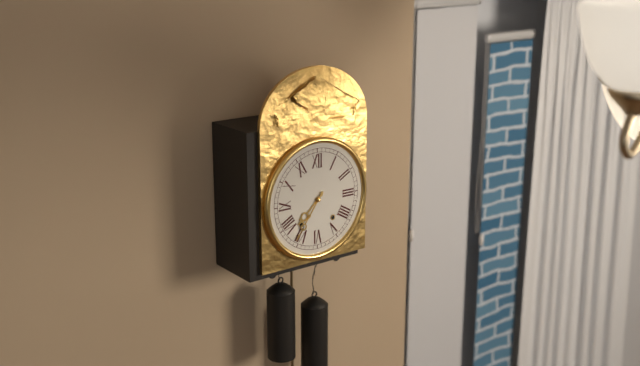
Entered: {"hour": 7, "minute": 36}
